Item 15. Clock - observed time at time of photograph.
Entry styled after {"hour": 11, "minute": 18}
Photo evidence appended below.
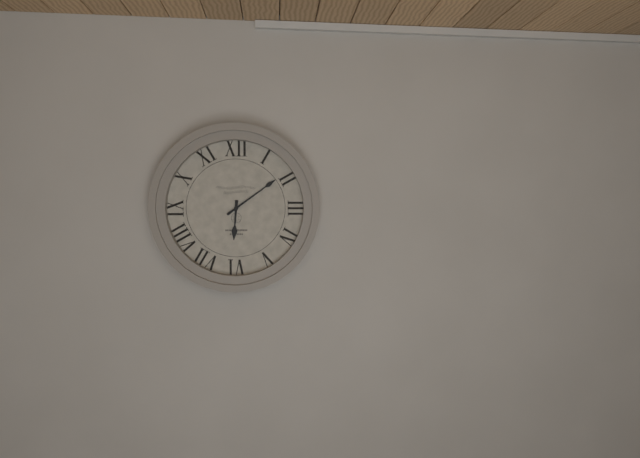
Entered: {"hour": 6, "minute": 9}
